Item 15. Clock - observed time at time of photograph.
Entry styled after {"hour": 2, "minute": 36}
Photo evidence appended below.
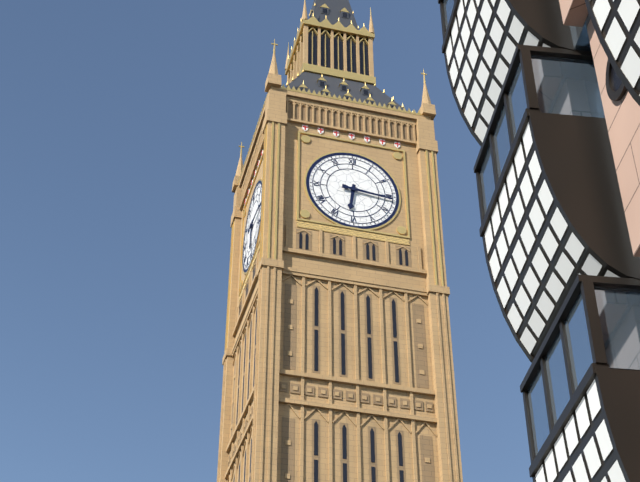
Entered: {"hour": 6, "minute": 16}
